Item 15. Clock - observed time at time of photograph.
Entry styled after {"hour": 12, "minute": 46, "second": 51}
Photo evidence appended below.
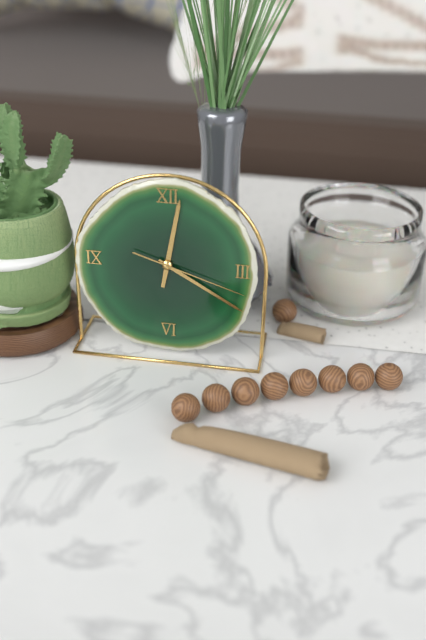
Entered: {"hour": 12, "minute": 20, "second": 18}
